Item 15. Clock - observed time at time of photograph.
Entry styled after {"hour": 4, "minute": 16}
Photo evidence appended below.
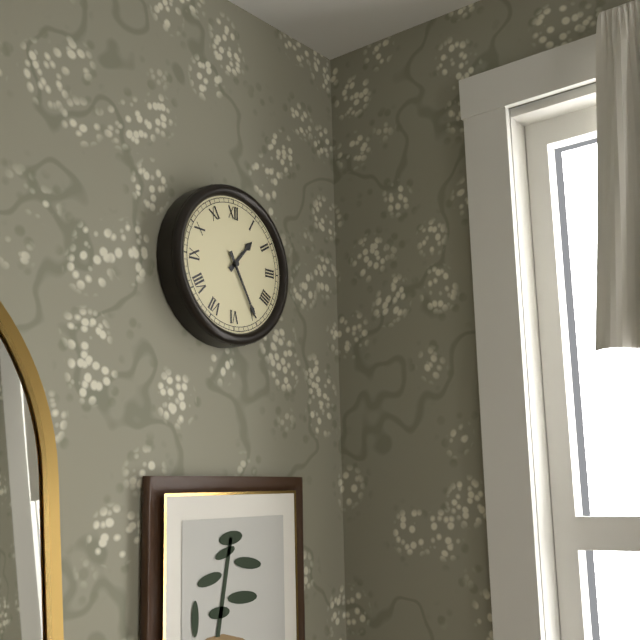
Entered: {"hour": 1, "minute": 25}
